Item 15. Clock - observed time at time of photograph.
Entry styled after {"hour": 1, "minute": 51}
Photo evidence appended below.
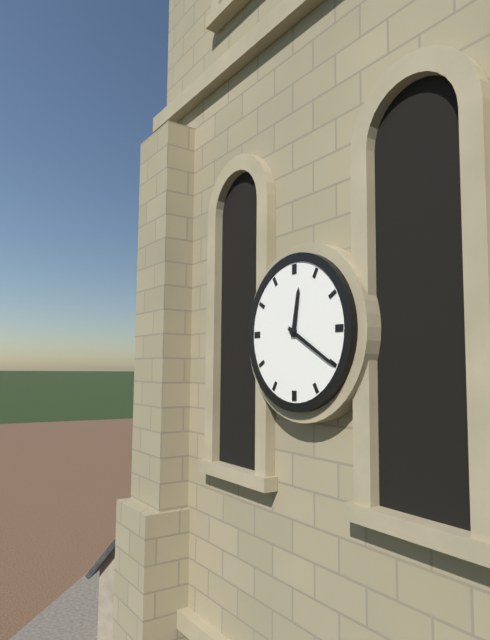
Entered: {"hour": 12, "minute": 20}
